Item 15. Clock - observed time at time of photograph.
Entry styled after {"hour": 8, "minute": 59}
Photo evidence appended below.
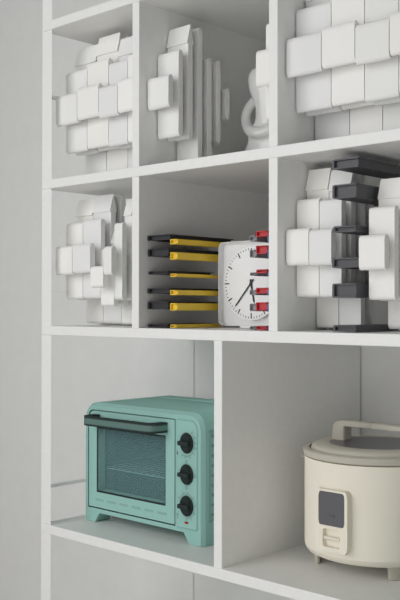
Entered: {"hour": 5, "minute": 37}
